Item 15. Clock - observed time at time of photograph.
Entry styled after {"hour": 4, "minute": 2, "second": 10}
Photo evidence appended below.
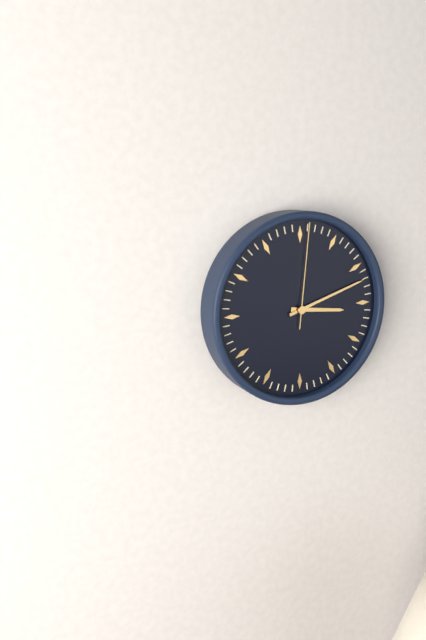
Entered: {"hour": 3, "minute": 12, "second": 1}
